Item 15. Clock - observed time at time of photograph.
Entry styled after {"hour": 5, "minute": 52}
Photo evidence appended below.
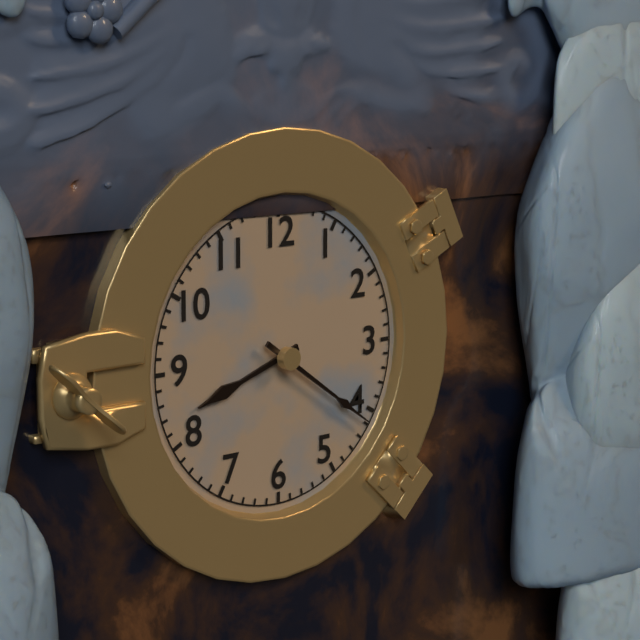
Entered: {"hour": 8, "minute": 21}
